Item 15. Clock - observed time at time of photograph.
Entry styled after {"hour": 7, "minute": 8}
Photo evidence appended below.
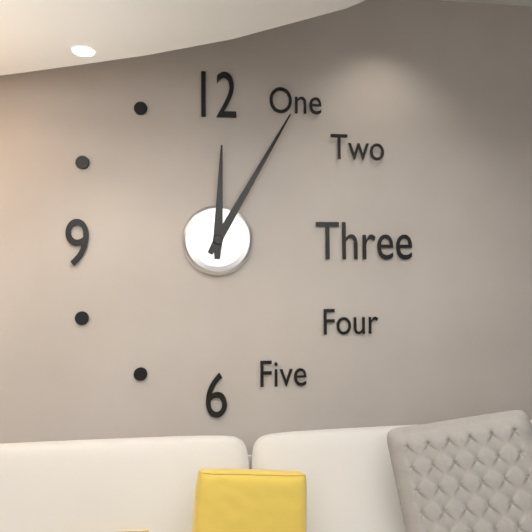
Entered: {"hour": 12, "minute": 5}
